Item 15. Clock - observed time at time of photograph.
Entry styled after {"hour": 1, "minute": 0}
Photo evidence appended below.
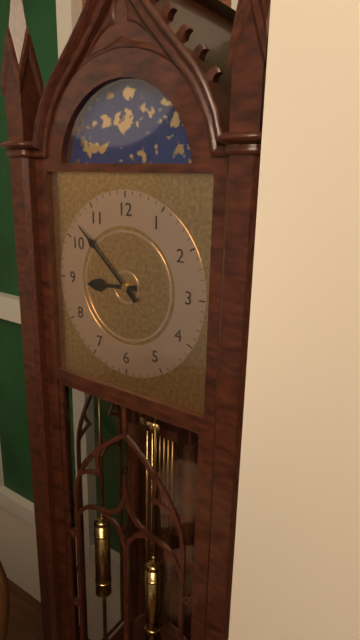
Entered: {"hour": 8, "minute": 52}
